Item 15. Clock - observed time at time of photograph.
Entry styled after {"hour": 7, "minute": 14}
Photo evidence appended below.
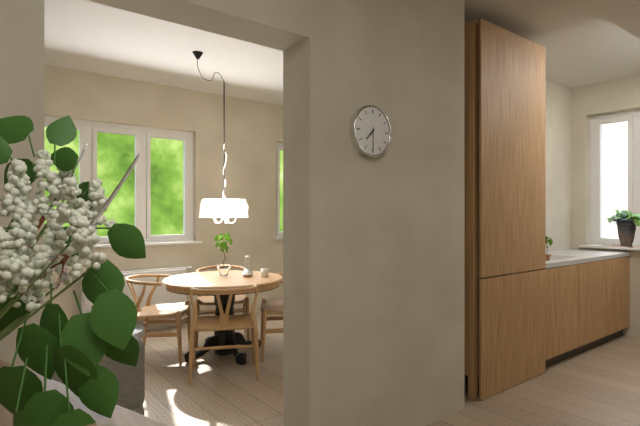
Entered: {"hour": 7, "minute": 30}
